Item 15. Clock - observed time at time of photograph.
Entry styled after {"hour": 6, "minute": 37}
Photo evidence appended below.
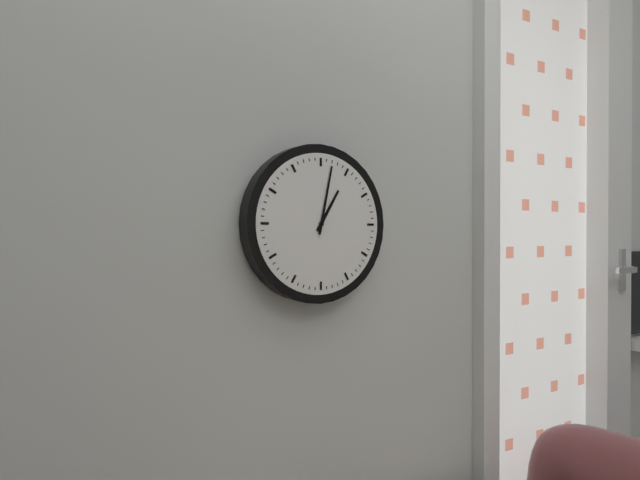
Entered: {"hour": 1, "minute": 2}
